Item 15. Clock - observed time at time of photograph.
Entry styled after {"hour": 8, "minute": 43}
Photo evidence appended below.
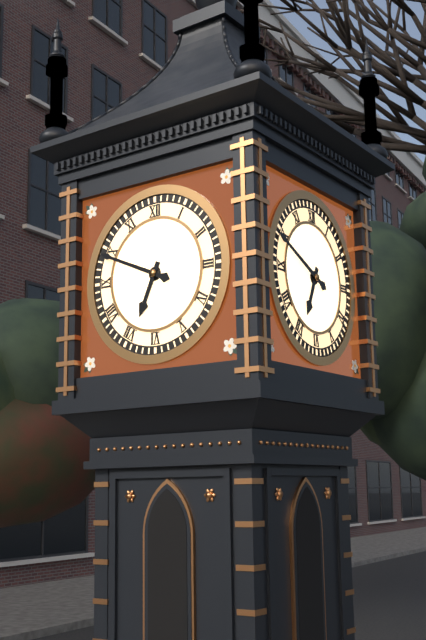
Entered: {"hour": 6, "minute": 49}
